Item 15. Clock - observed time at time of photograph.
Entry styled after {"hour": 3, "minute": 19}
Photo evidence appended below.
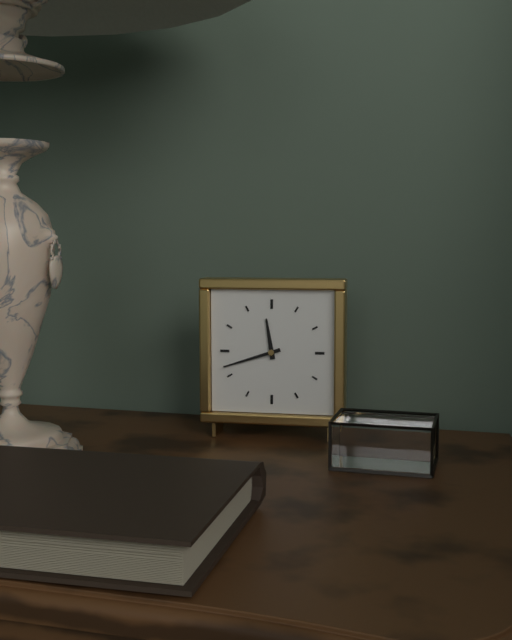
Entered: {"hour": 11, "minute": 42}
